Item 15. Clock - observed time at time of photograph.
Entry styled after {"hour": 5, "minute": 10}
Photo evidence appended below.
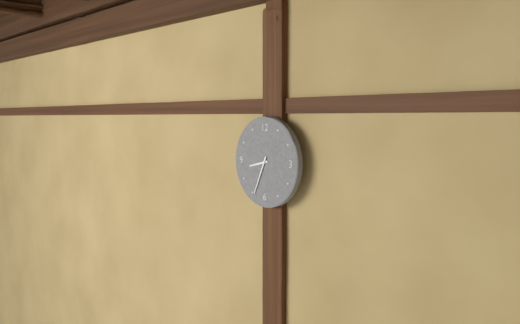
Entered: {"hour": 8, "minute": 34}
